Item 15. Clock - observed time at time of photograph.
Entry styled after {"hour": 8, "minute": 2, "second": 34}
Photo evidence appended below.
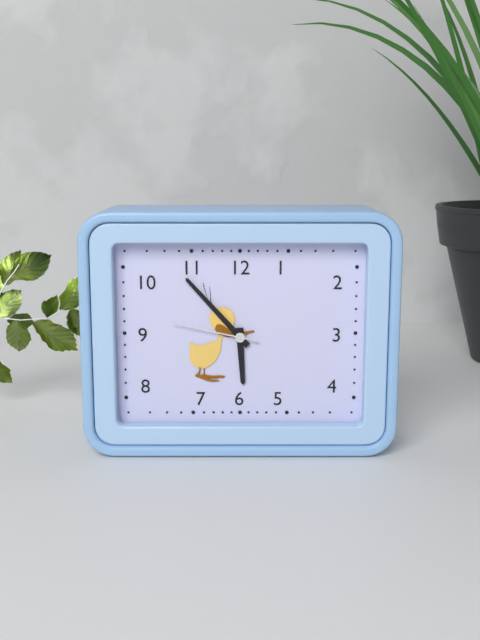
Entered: {"hour": 5, "minute": 53, "second": 47}
